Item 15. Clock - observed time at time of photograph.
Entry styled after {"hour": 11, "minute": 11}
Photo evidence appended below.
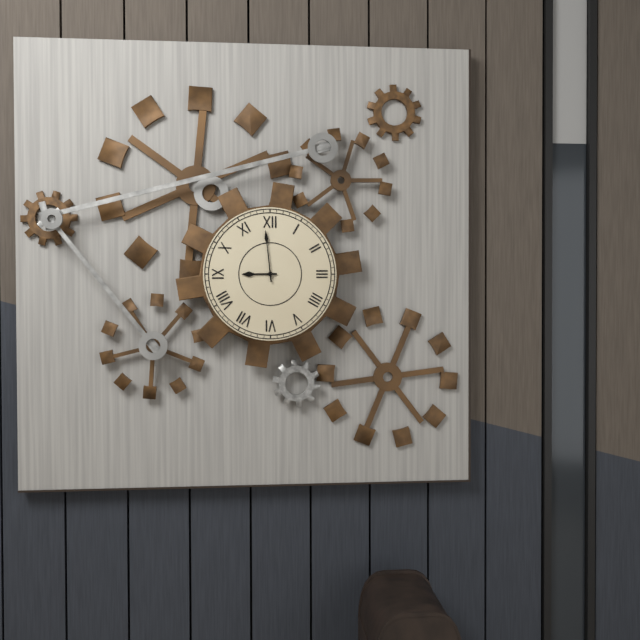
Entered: {"hour": 8, "minute": 59}
